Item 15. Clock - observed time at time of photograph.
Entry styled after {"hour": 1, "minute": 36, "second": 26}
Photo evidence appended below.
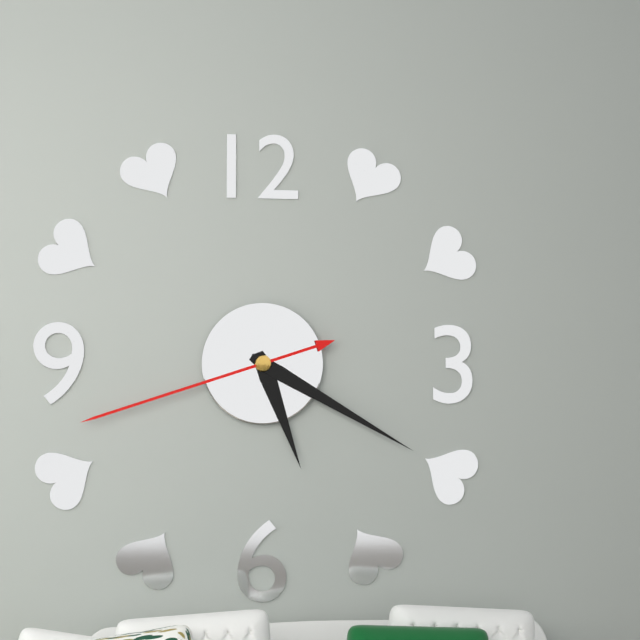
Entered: {"hour": 5, "minute": 20, "second": 42}
